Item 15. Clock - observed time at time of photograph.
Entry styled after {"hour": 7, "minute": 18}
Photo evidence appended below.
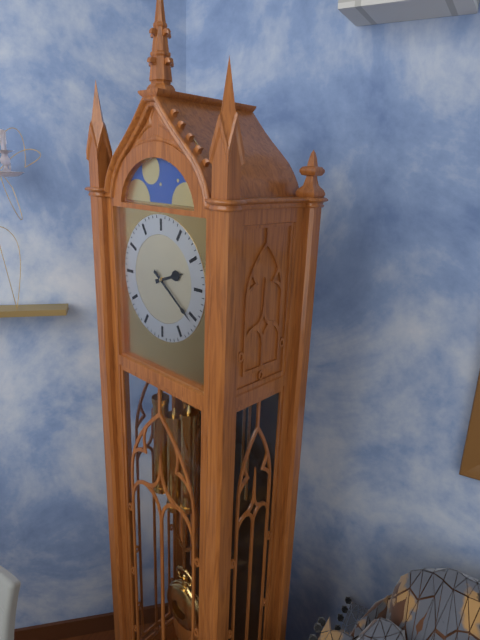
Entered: {"hour": 2, "minute": 21}
